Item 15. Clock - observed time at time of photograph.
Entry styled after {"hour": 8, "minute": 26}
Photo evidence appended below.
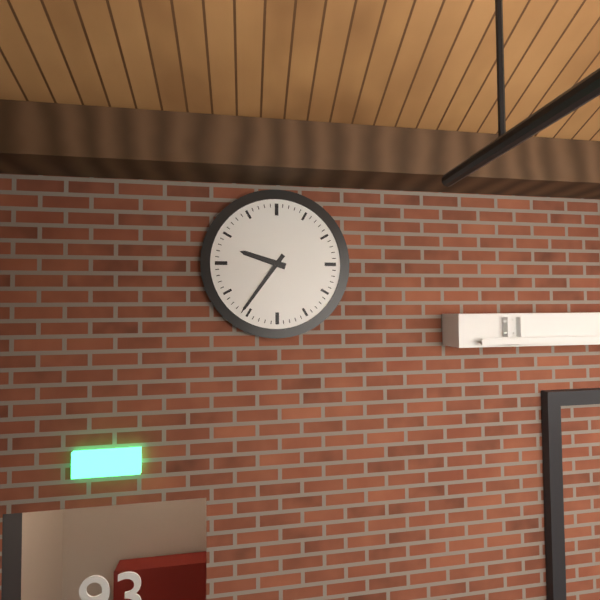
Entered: {"hour": 9, "minute": 36}
